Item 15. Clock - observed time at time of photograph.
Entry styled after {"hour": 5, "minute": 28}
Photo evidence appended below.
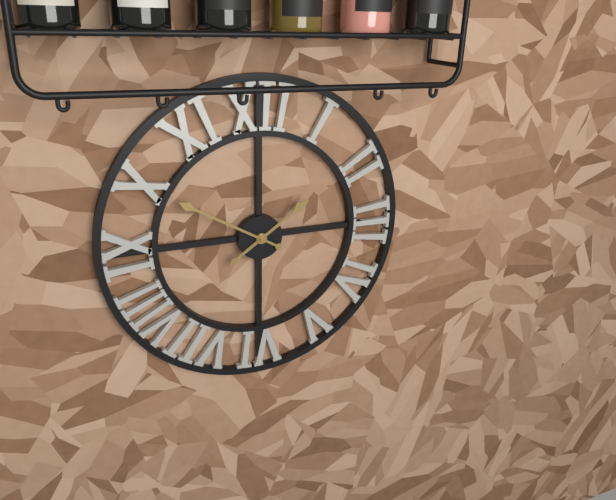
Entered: {"hour": 1, "minute": 50}
